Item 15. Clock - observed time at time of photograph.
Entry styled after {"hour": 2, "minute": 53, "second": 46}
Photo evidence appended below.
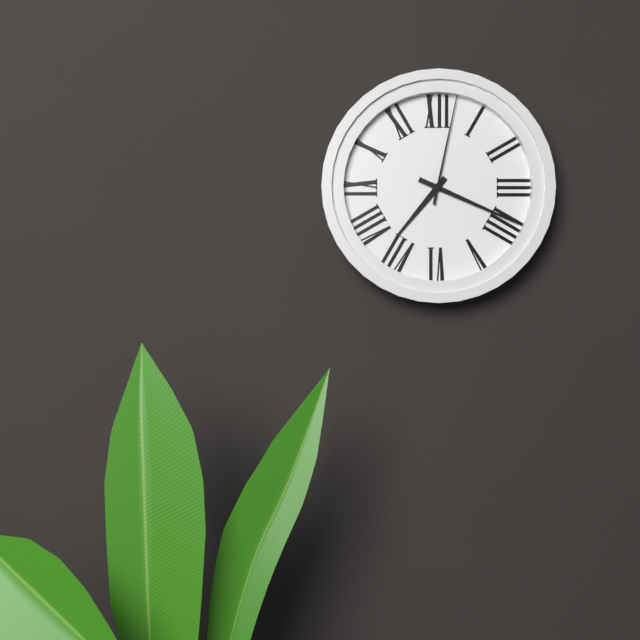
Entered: {"hour": 7, "minute": 19, "second": 2}
